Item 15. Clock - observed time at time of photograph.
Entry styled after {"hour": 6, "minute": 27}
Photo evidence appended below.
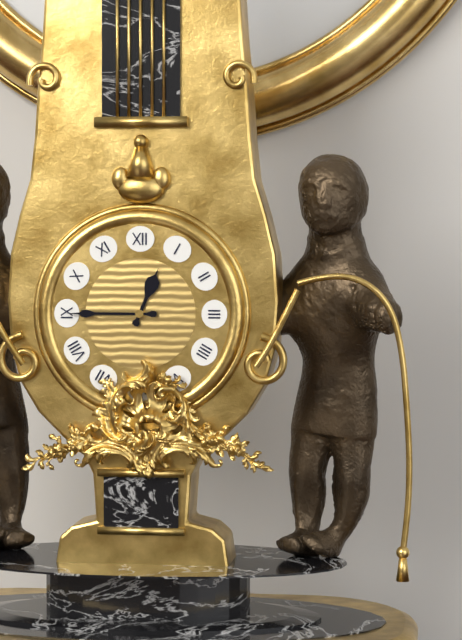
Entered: {"hour": 12, "minute": 45}
